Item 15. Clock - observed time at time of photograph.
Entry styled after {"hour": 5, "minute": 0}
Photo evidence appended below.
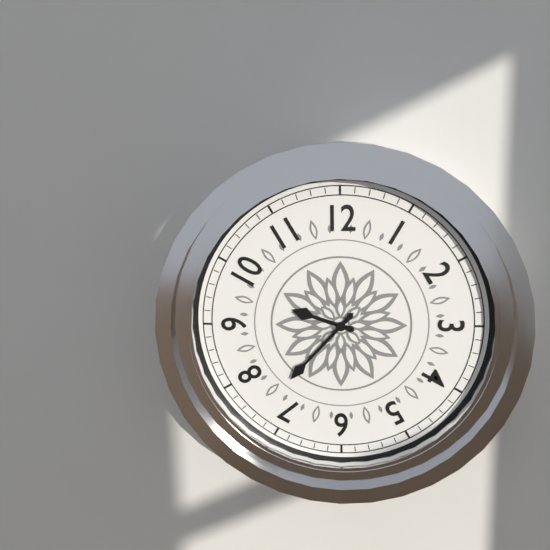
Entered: {"hour": 9, "minute": 37}
